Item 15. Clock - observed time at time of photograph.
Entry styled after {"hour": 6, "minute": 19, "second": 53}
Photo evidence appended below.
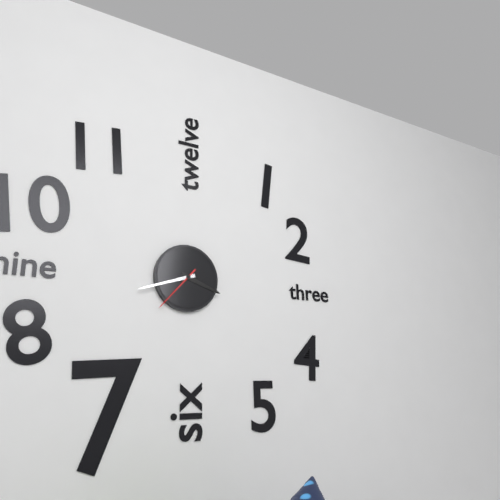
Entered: {"hour": 3, "minute": 42, "second": 37}
